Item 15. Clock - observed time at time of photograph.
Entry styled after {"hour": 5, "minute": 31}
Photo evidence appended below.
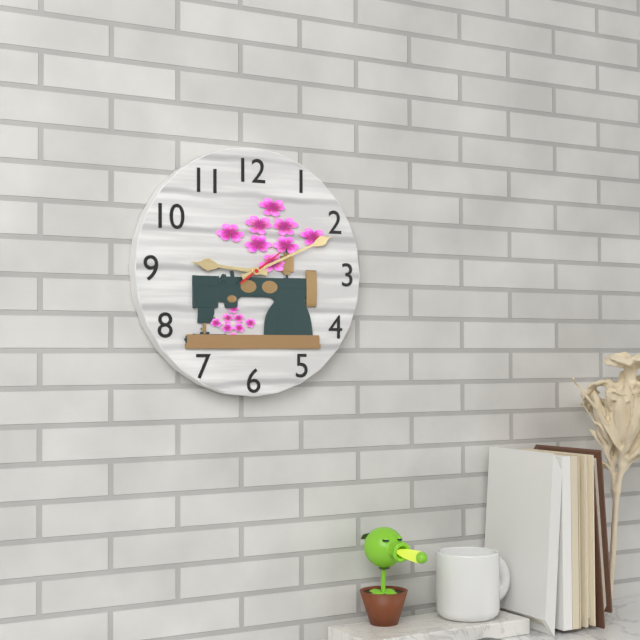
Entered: {"hour": 9, "minute": 11}
